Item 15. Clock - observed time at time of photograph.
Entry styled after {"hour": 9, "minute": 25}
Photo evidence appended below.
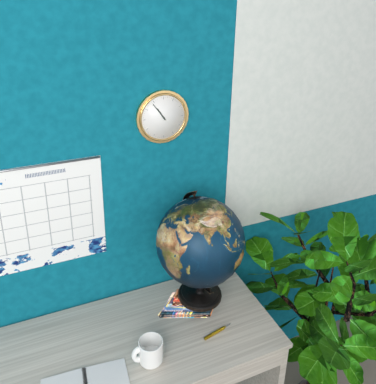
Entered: {"hour": 10, "minute": 54}
